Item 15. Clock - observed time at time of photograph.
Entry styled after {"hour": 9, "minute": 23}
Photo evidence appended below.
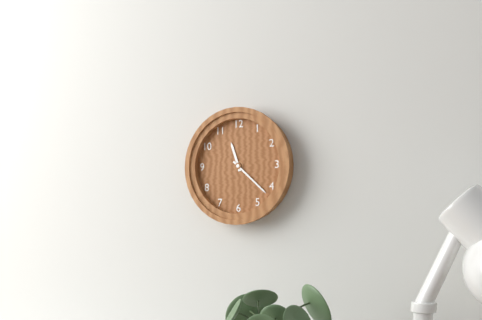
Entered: {"hour": 11, "minute": 22}
